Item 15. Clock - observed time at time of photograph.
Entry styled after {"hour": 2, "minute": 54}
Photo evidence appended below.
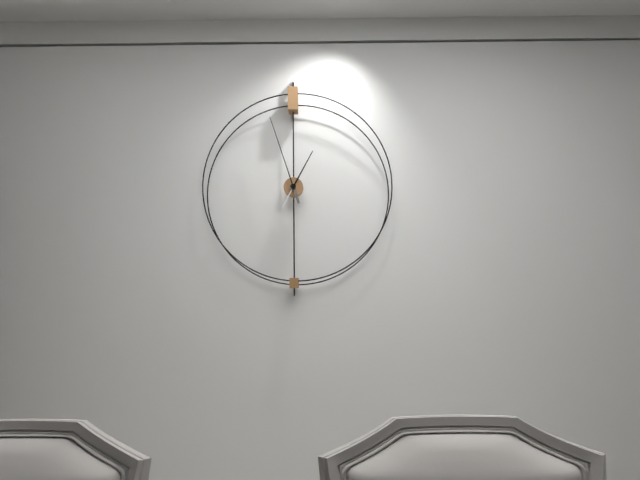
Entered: {"hour": 12, "minute": 57}
